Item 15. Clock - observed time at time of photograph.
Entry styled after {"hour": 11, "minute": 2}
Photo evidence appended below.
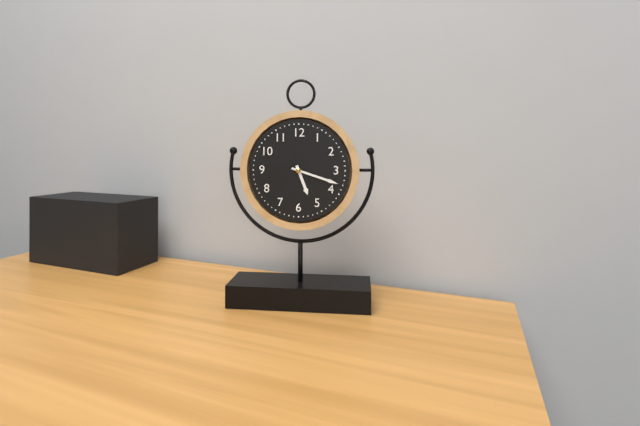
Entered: {"hour": 5, "minute": 18}
